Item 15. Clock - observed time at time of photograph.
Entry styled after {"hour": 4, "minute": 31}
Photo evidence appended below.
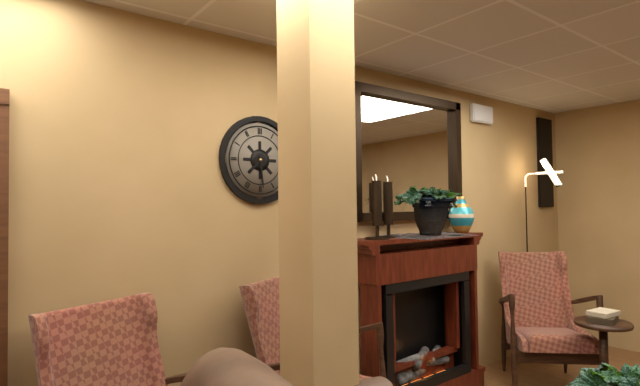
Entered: {"hour": 7, "minute": 29}
